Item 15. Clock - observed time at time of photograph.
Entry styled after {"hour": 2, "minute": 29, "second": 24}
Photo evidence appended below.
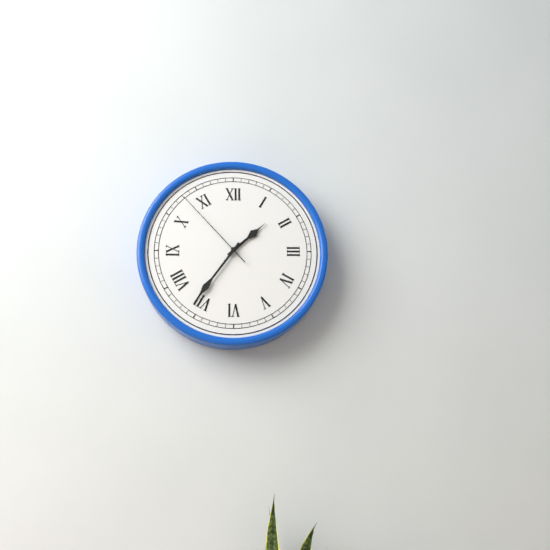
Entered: {"hour": 1, "minute": 36, "second": 53}
